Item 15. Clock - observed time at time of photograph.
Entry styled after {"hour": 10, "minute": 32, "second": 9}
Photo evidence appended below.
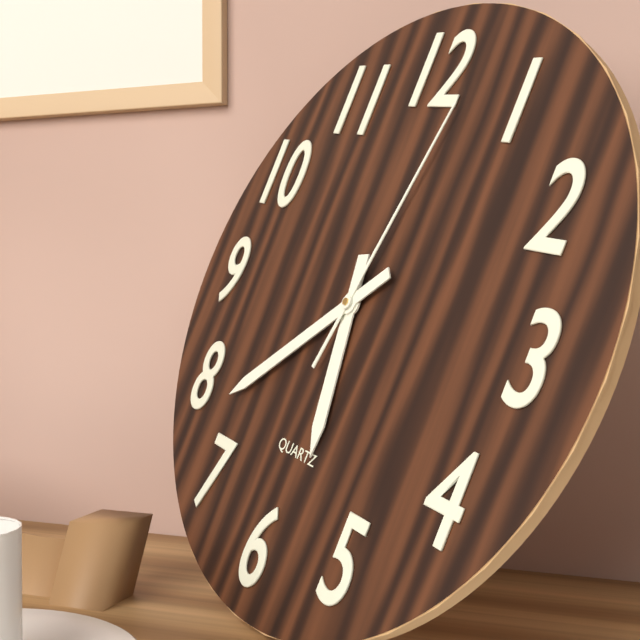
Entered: {"hour": 5, "minute": 38, "second": 2}
